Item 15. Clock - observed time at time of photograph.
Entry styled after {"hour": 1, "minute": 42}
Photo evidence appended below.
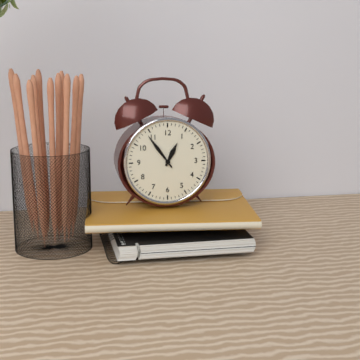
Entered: {"hour": 12, "minute": 54}
